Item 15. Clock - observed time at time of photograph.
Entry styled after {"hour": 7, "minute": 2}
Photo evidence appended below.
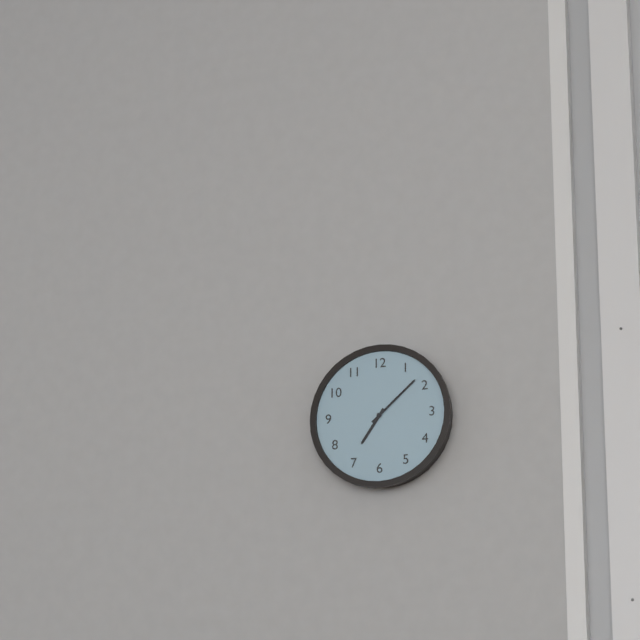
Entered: {"hour": 7, "minute": 8}
